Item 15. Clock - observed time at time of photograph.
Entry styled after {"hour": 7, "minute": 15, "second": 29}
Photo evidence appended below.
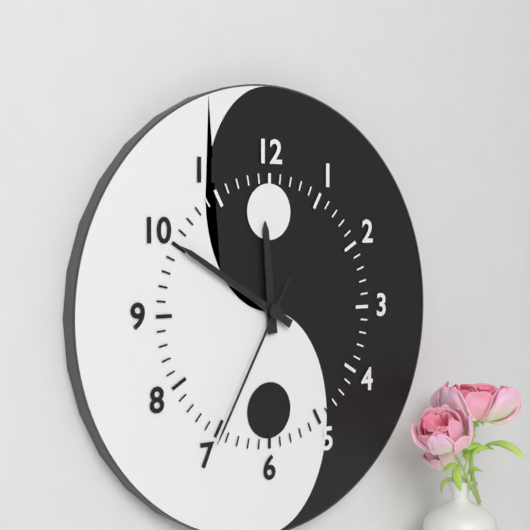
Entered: {"hour": 11, "minute": 50, "second": 35}
